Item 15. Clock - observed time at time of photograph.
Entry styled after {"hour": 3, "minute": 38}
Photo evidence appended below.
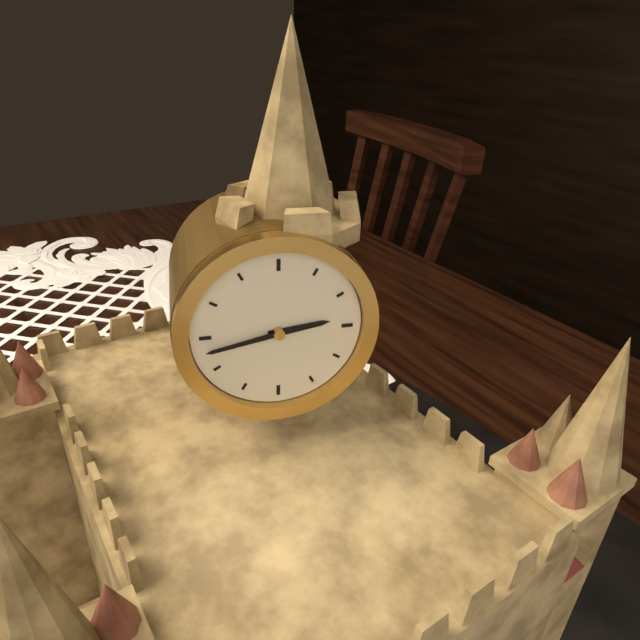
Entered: {"hour": 2, "minute": 43}
